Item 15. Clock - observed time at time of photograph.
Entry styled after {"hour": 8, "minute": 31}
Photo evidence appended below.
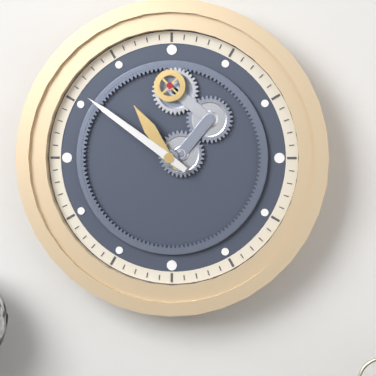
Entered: {"hour": 10, "minute": 51}
